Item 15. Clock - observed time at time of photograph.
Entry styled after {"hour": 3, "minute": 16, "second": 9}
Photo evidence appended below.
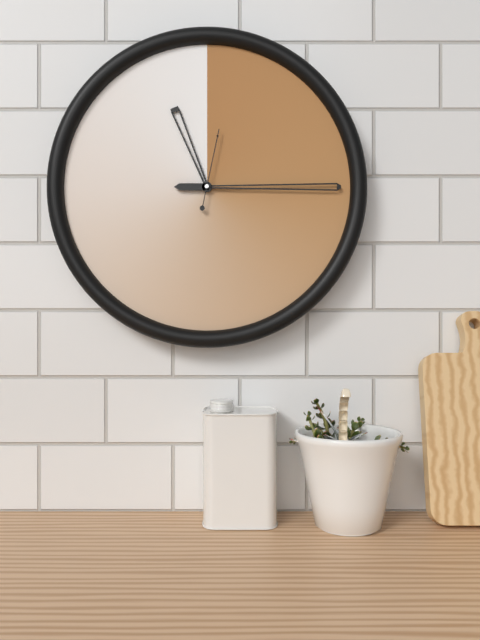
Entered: {"hour": 11, "minute": 15, "second": 2}
